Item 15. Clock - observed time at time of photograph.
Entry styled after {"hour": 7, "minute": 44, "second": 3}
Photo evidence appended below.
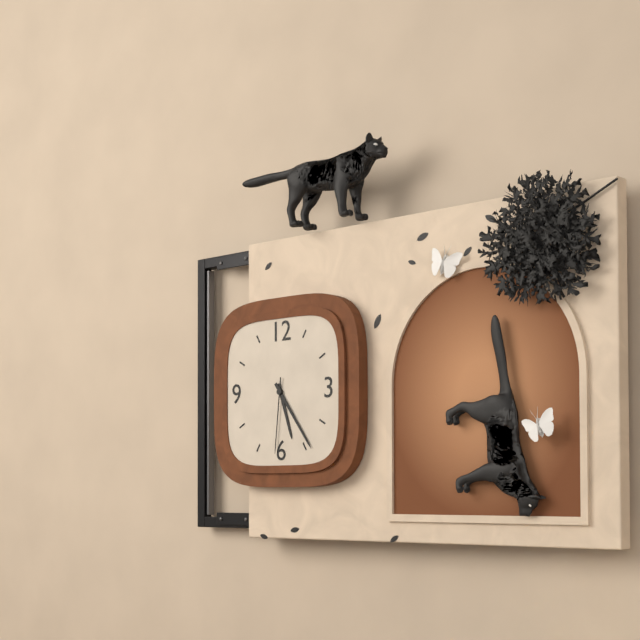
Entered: {"hour": 5, "minute": 24, "second": 31}
